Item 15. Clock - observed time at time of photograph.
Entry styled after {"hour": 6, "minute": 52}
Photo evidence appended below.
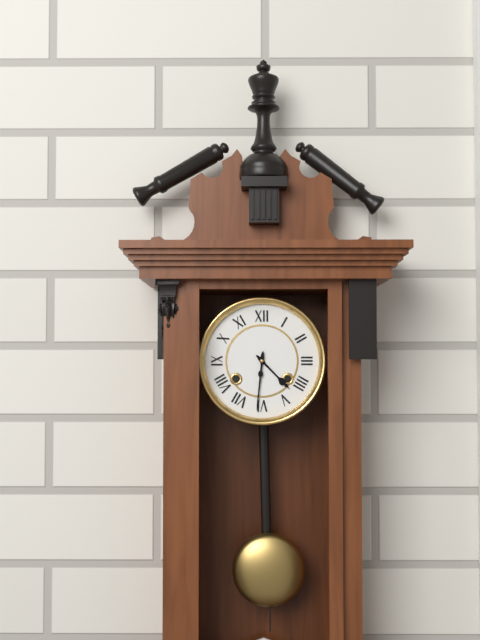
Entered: {"hour": 4, "minute": 31}
